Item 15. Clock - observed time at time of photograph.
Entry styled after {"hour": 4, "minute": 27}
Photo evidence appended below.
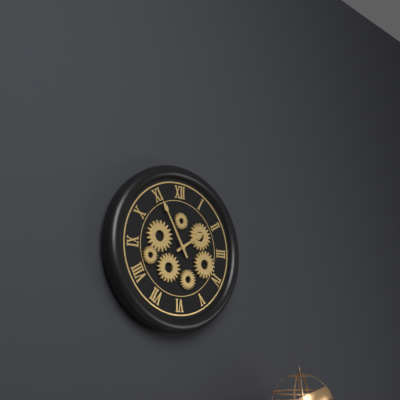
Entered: {"hour": 1, "minute": 55}
